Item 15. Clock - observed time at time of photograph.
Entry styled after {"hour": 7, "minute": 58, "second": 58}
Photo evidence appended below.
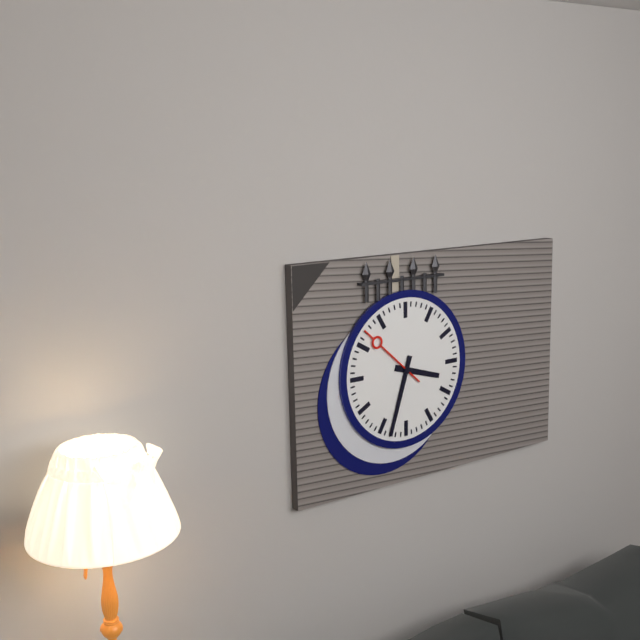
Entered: {"hour": 3, "minute": 33, "second": 52}
